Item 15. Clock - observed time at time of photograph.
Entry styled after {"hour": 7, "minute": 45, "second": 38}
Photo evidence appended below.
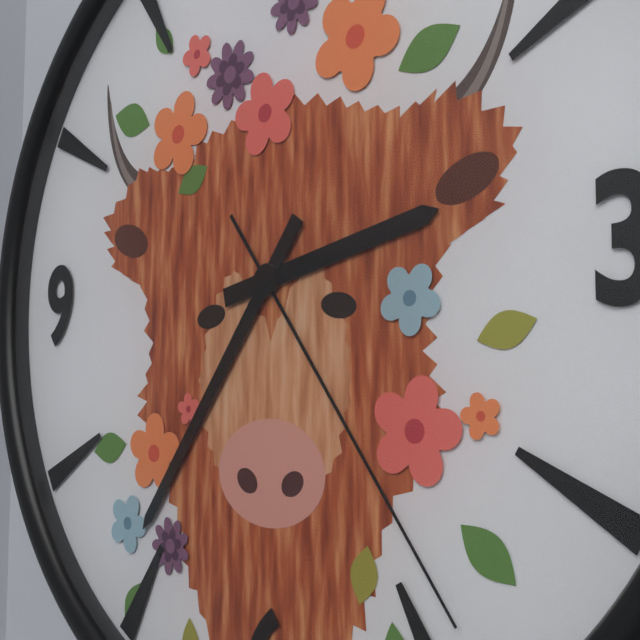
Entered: {"hour": 2, "minute": 36, "second": 24}
